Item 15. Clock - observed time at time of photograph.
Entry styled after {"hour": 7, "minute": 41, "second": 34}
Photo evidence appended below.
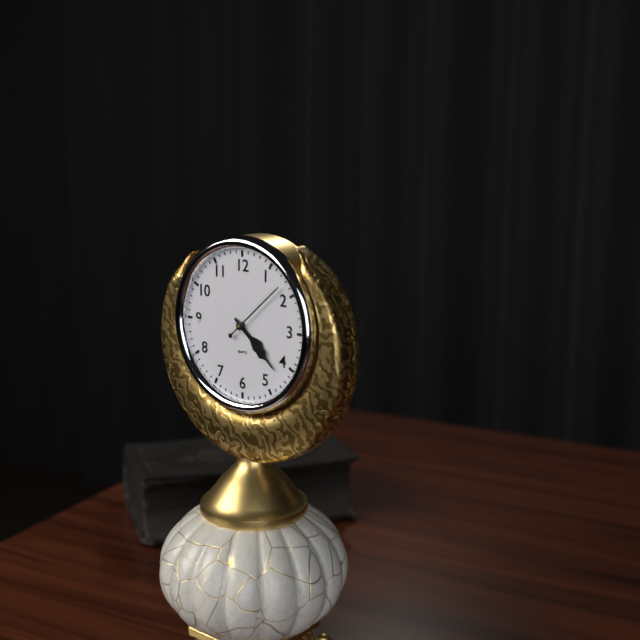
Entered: {"hour": 4, "minute": 22, "second": 8}
